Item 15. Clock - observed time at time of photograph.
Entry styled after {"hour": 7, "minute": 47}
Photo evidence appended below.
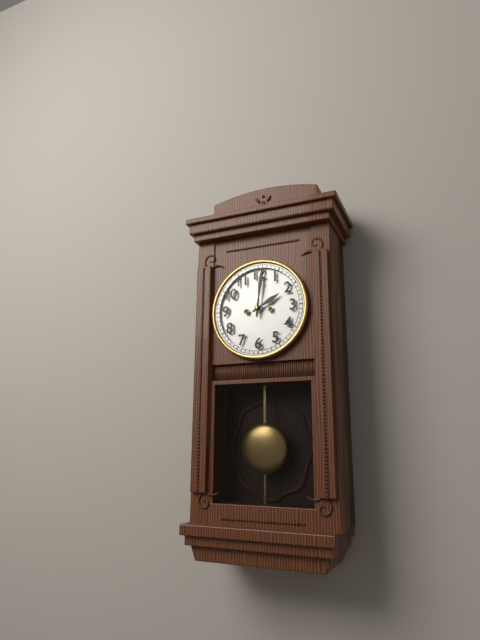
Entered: {"hour": 2, "minute": 1}
